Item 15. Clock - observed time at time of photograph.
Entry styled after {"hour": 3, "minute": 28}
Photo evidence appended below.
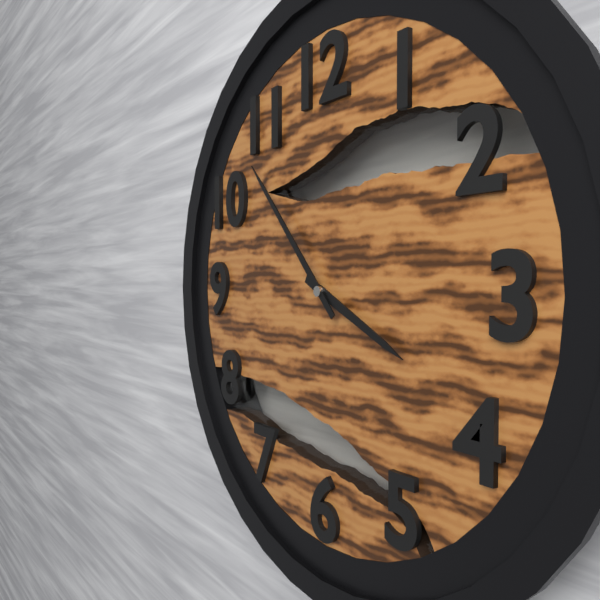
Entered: {"hour": 3, "minute": 53}
